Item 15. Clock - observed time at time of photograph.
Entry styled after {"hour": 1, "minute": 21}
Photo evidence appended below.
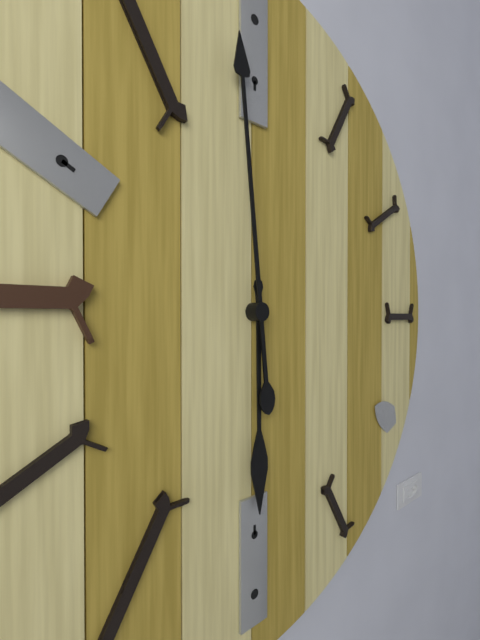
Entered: {"hour": 5, "minute": 59}
